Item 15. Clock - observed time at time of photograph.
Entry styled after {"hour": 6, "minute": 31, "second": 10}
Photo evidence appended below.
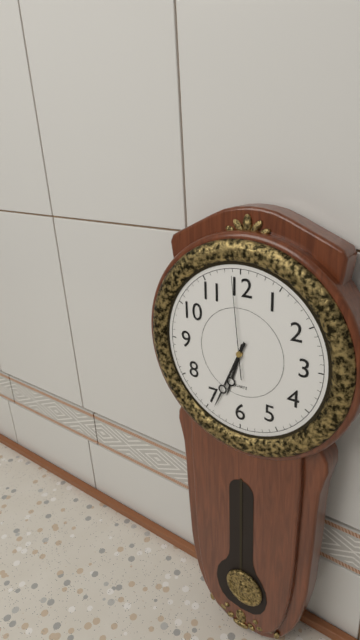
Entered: {"hour": 6, "minute": 34, "second": 59}
